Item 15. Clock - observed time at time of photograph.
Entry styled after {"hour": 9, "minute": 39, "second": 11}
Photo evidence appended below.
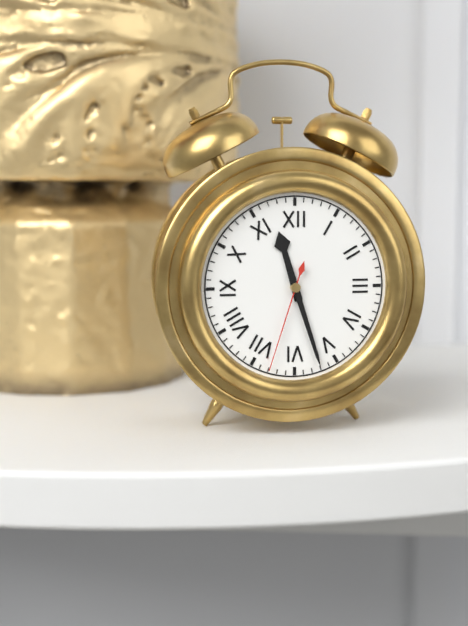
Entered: {"hour": 11, "minute": 27, "second": 33}
